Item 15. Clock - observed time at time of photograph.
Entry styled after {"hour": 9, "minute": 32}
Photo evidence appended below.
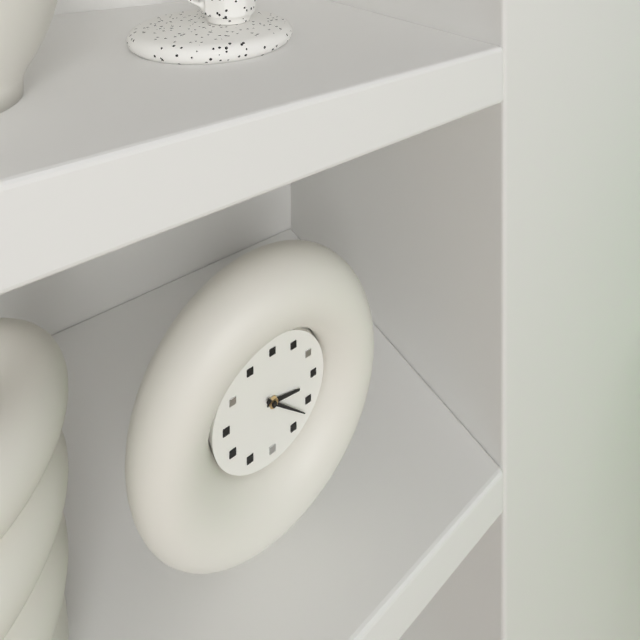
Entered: {"hour": 3, "minute": 22}
